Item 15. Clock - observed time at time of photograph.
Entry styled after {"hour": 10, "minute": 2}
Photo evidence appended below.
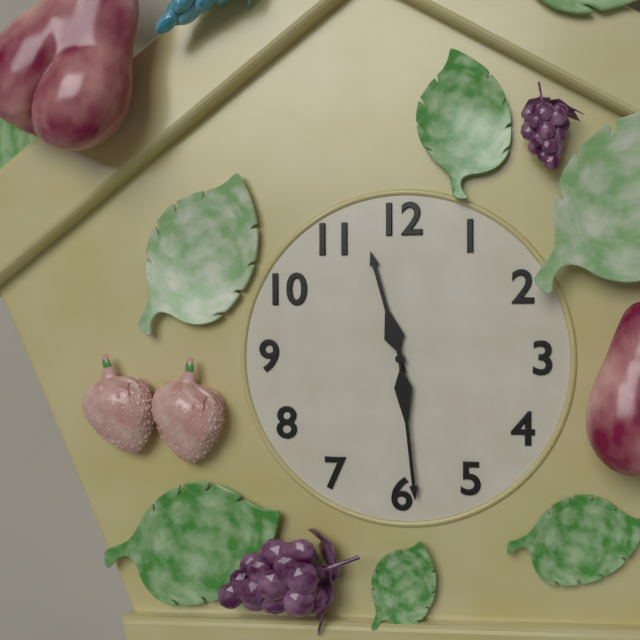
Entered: {"hour": 11, "minute": 29}
